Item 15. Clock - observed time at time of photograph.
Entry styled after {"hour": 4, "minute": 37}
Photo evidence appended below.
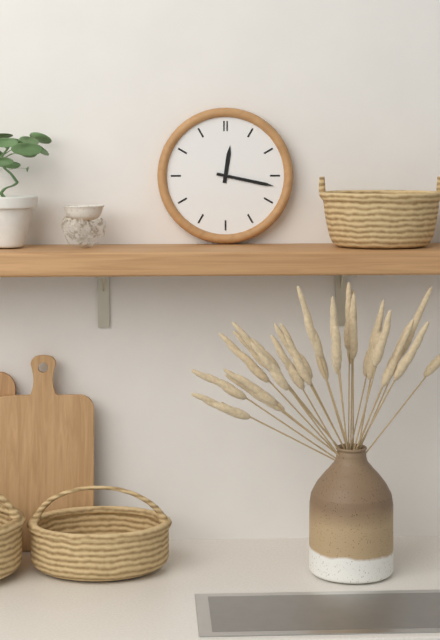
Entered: {"hour": 12, "minute": 17}
